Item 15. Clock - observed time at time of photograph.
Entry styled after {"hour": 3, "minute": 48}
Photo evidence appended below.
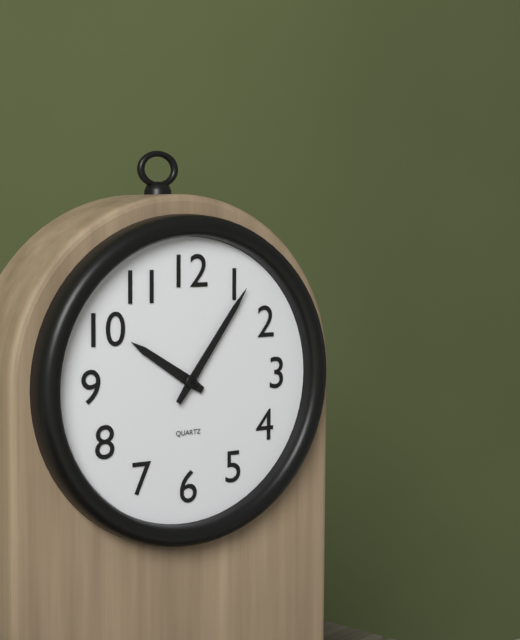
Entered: {"hour": 10, "minute": 6}
